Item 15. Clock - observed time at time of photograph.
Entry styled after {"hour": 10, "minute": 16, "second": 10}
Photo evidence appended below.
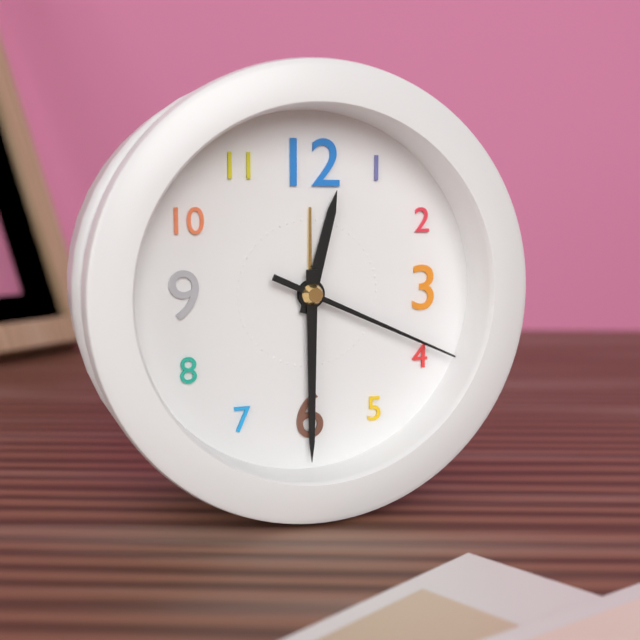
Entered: {"hour": 12, "minute": 30, "second": 19}
